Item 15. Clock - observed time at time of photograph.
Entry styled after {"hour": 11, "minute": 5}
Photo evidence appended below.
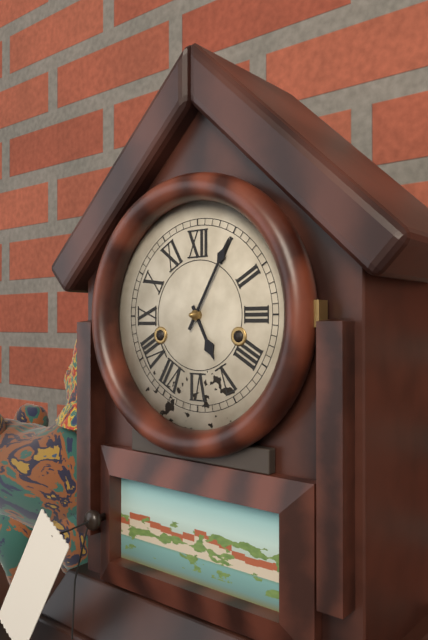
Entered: {"hour": 5, "minute": 5}
